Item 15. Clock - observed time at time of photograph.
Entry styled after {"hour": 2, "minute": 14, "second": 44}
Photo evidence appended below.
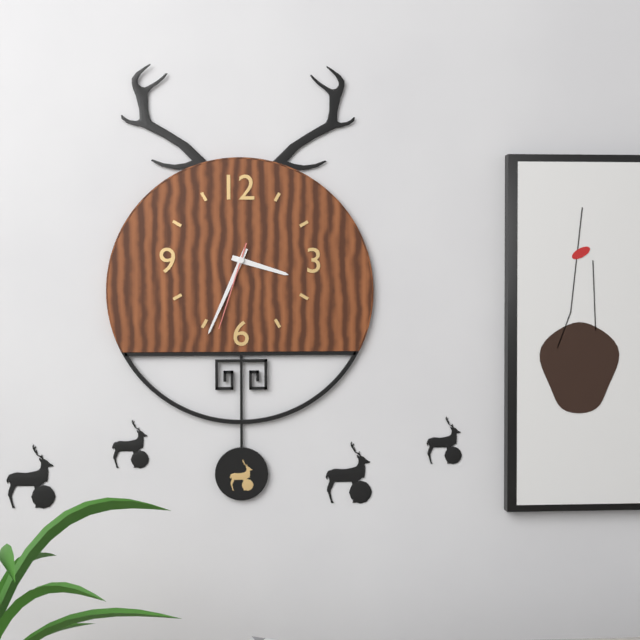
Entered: {"hour": 3, "minute": 34, "second": 33}
